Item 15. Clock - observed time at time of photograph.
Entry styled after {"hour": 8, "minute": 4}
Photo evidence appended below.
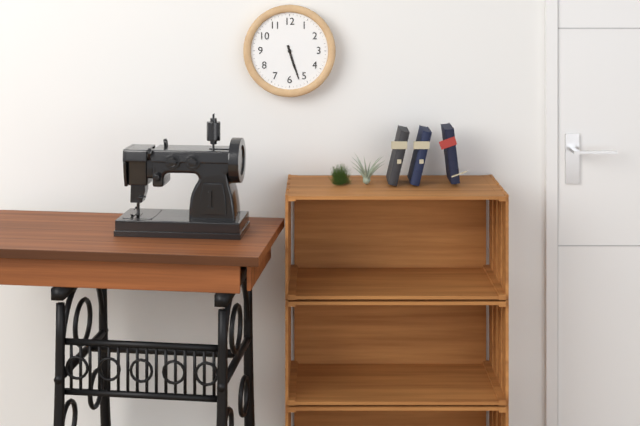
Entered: {"hour": 5, "minute": 27}
